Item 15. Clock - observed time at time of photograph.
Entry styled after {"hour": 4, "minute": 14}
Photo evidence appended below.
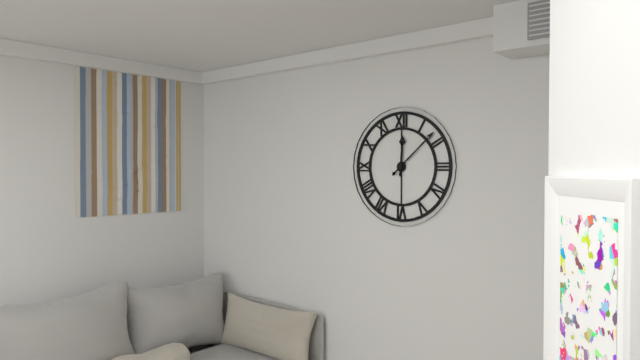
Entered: {"hour": 12, "minute": 8}
